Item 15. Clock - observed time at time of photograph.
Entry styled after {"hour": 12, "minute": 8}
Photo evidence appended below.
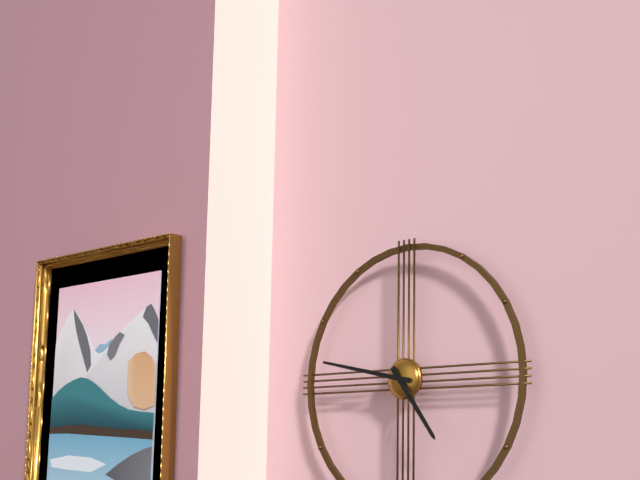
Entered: {"hour": 4, "minute": 47}
